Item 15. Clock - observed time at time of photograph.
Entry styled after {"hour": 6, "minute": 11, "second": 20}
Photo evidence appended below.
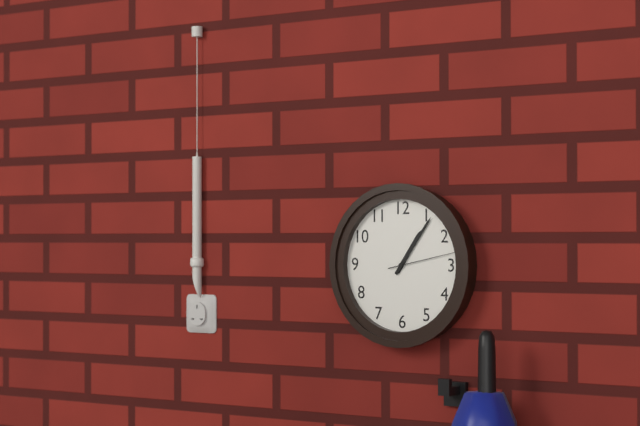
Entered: {"hour": 1, "minute": 6, "second": 13}
